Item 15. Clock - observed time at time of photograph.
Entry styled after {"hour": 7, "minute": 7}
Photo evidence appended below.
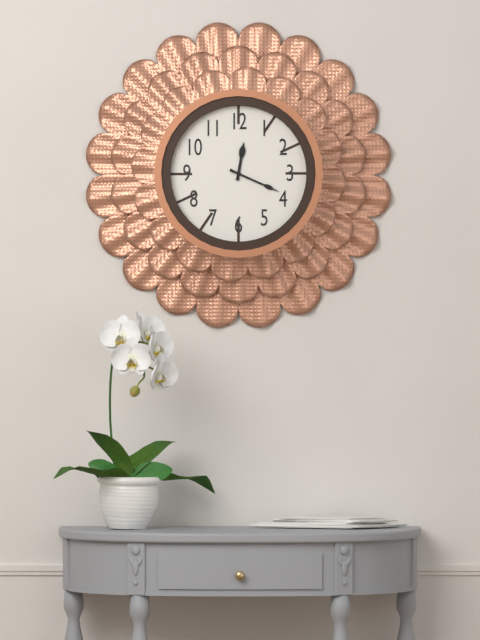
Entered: {"hour": 12, "minute": 19}
